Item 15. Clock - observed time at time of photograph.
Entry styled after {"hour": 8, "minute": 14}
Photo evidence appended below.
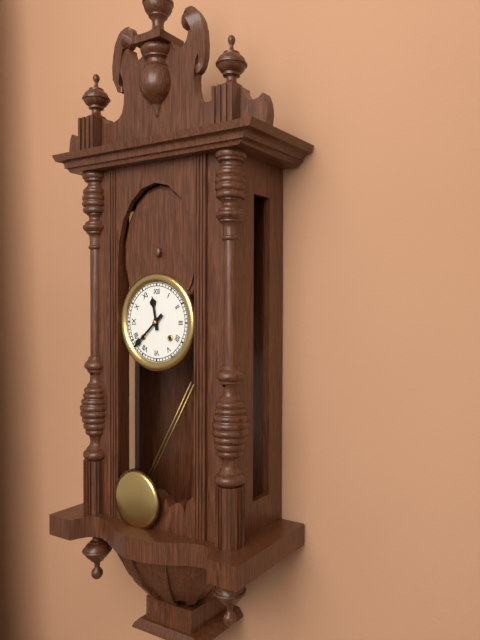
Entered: {"hour": 11, "minute": 38}
